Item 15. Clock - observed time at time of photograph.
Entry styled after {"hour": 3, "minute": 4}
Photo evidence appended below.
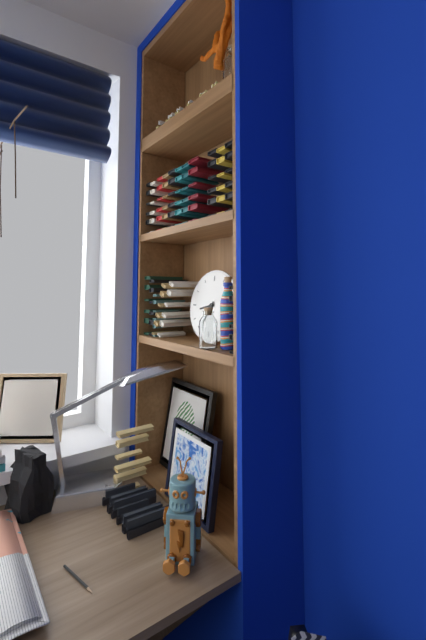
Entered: {"hour": 8, "minute": 36}
